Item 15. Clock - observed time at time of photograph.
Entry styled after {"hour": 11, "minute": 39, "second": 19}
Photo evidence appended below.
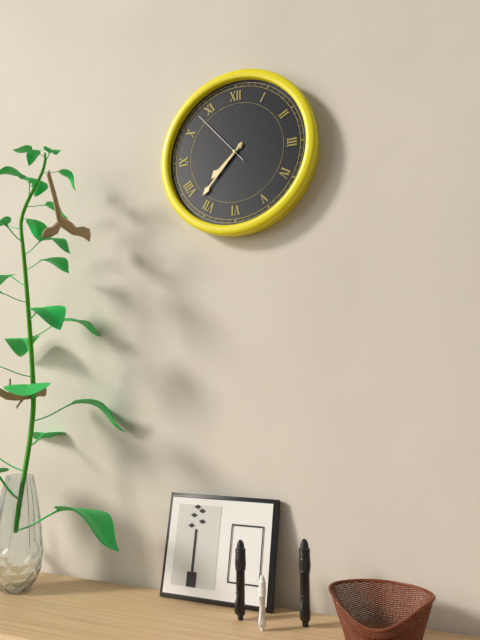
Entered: {"hour": 7, "minute": 37, "second": 53}
